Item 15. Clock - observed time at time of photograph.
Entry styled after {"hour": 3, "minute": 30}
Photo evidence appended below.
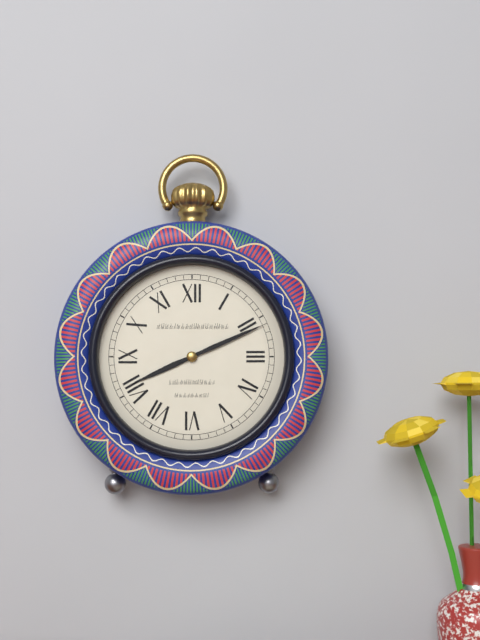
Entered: {"hour": 8, "minute": 11}
